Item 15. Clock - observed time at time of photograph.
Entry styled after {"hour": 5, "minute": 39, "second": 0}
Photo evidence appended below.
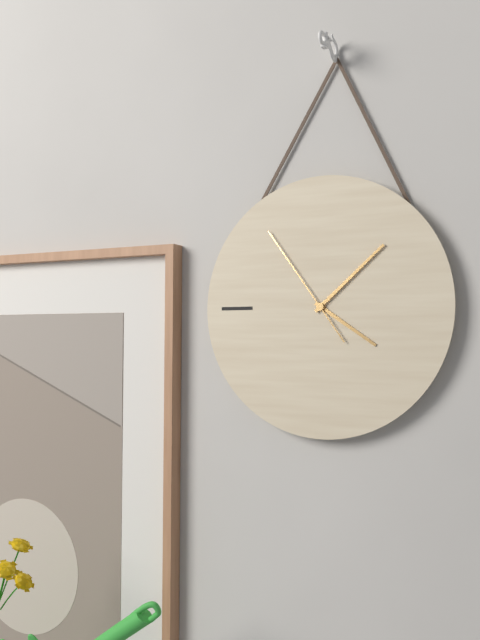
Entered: {"hour": 4, "minute": 8, "second": 54}
